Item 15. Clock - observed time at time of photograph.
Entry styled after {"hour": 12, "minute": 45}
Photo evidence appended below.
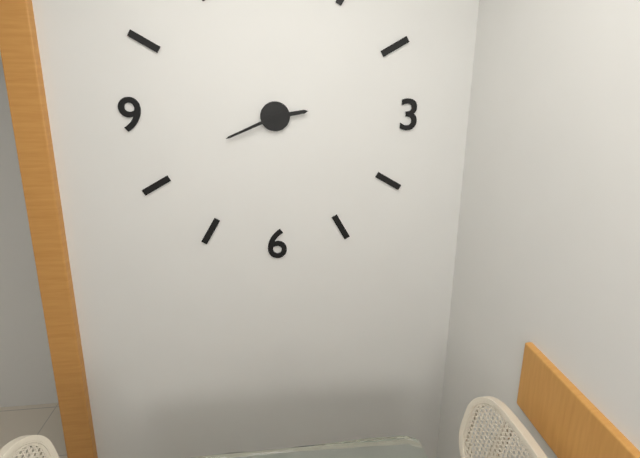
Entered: {"hour": 2, "minute": 41}
